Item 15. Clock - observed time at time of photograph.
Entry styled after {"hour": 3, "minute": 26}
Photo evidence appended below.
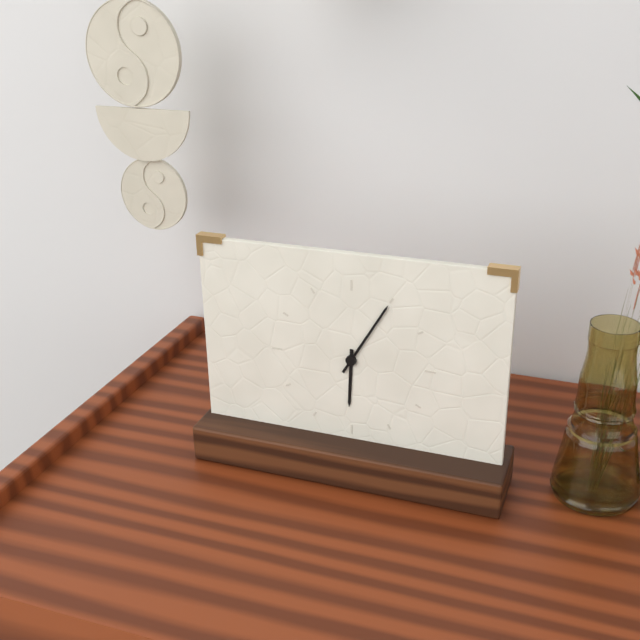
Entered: {"hour": 6, "minute": 5}
